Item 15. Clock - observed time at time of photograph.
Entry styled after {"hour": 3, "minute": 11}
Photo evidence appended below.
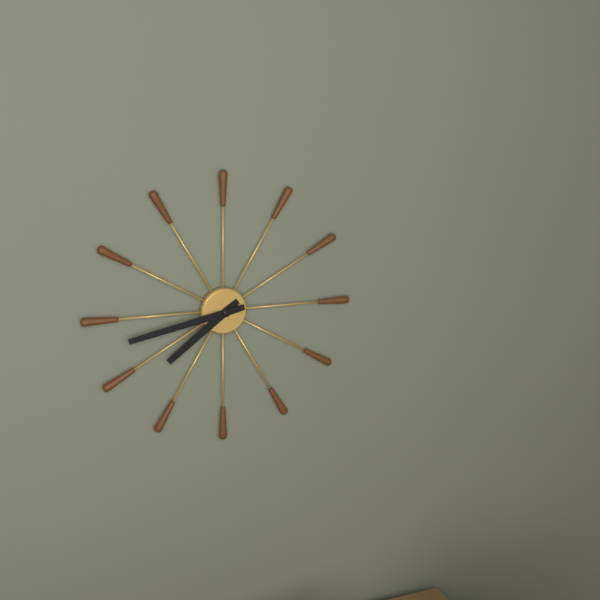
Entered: {"hour": 7, "minute": 43}
